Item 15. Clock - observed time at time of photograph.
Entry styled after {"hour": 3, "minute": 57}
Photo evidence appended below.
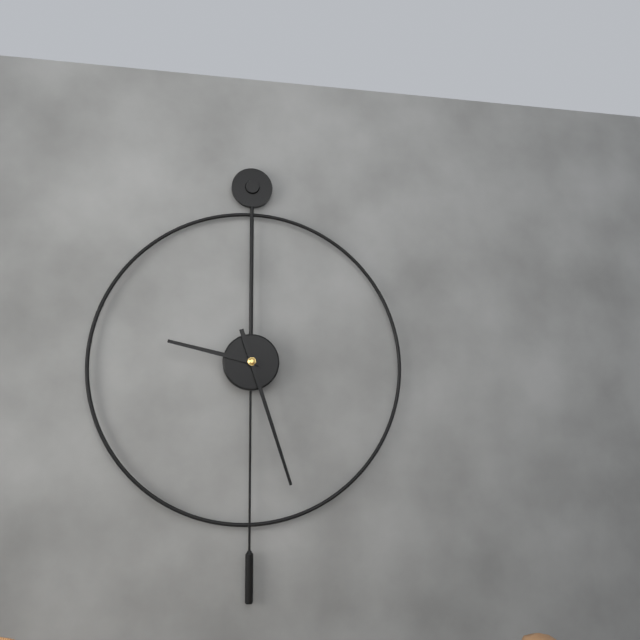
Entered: {"hour": 9, "minute": 27}
